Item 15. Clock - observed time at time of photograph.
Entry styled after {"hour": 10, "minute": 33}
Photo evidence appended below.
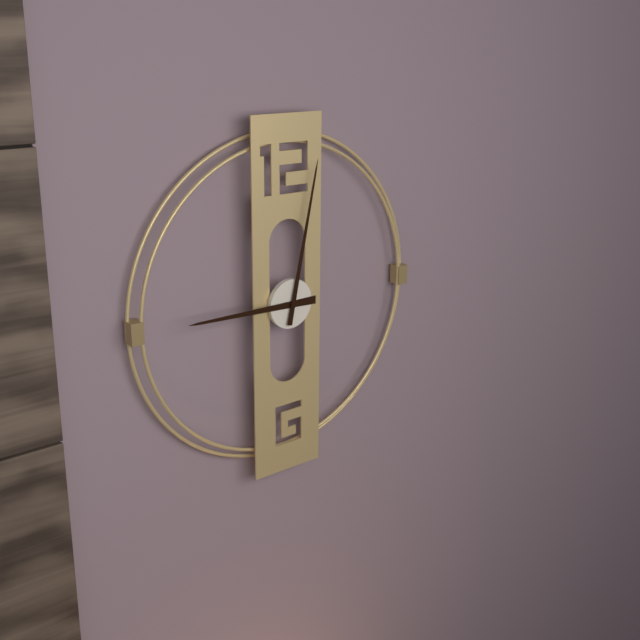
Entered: {"hour": 9, "minute": 2}
